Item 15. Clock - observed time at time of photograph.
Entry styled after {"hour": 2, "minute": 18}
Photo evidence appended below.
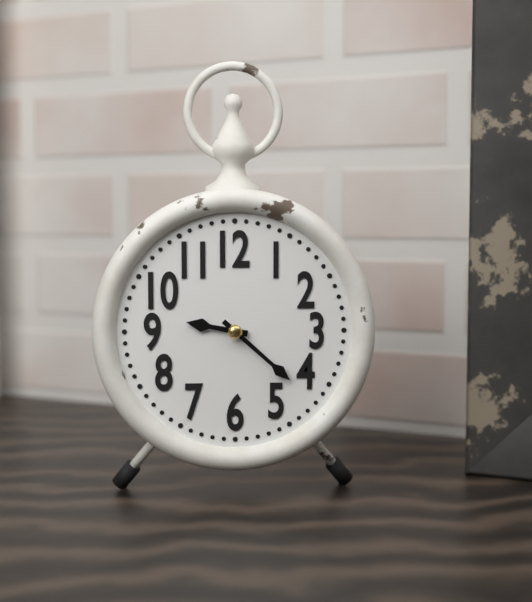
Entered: {"hour": 9, "minute": 22}
